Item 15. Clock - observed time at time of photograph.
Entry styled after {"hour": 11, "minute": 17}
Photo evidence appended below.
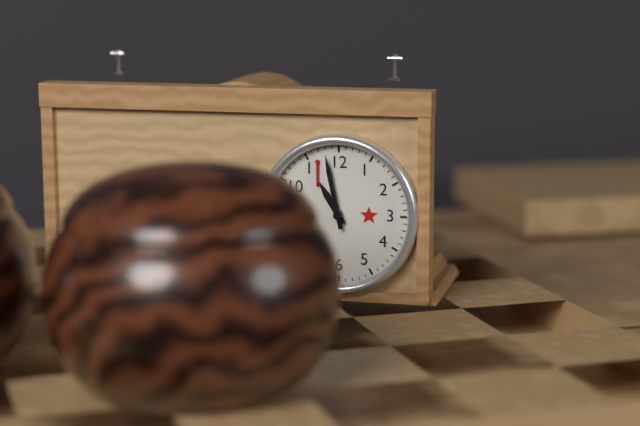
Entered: {"hour": 10, "minute": 58}
